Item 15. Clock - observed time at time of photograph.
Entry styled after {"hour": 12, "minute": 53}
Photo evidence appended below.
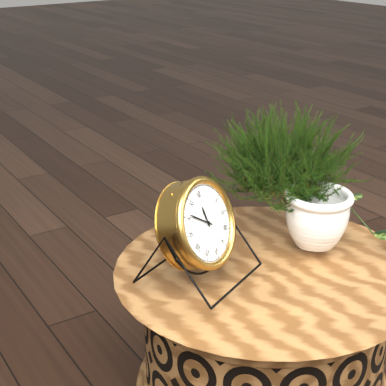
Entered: {"hour": 11, "minute": 51}
